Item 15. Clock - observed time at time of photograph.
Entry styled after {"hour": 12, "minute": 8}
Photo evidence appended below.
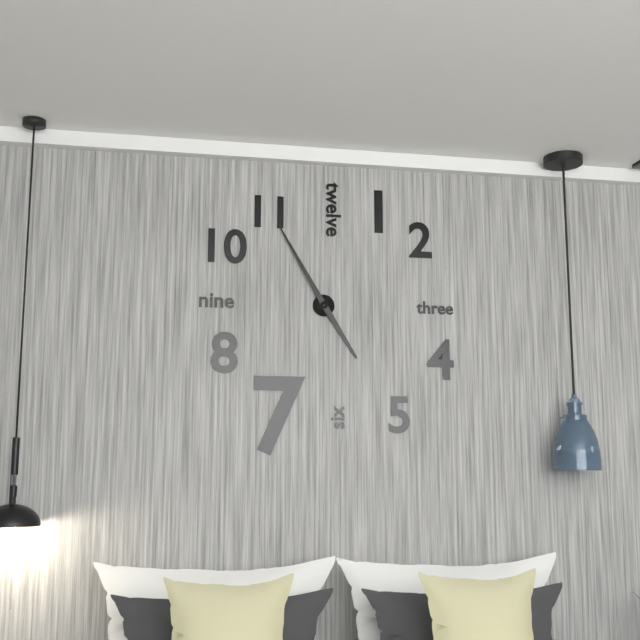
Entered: {"hour": 4, "minute": 55}
